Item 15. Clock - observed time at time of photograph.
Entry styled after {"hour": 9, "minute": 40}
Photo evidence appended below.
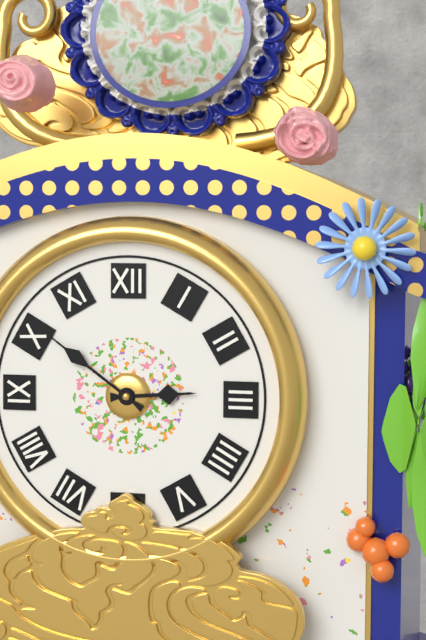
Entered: {"hour": 2, "minute": 51}
